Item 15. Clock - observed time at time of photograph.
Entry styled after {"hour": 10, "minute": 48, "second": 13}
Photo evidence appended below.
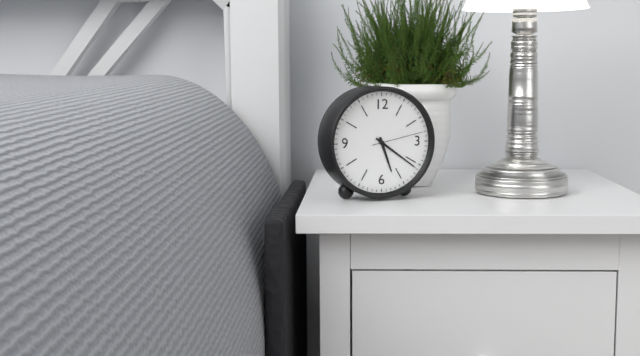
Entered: {"hour": 5, "minute": 21, "second": 13}
